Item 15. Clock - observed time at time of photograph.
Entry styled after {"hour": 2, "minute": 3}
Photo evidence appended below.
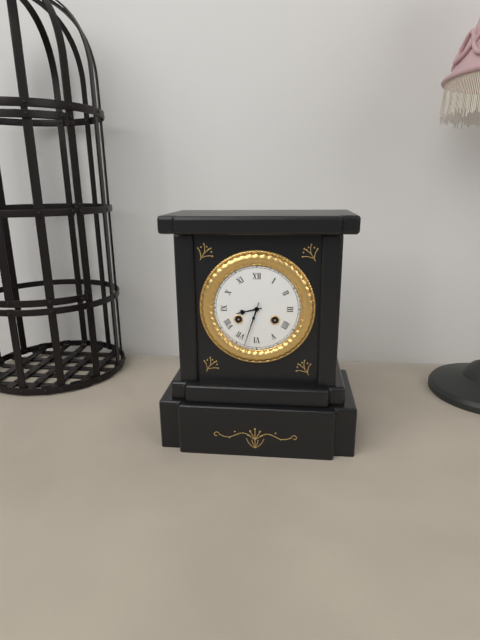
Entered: {"hour": 8, "minute": 33}
